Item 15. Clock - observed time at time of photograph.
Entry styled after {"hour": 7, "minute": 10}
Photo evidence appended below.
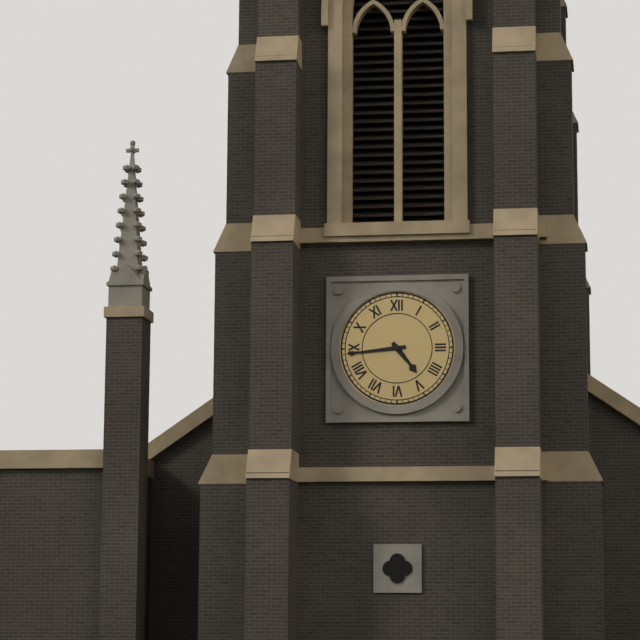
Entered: {"hour": 4, "minute": 44}
